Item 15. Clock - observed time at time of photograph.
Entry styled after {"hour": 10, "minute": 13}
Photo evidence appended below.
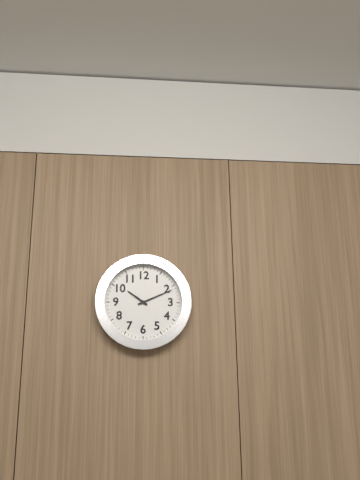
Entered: {"hour": 10, "minute": 11}
